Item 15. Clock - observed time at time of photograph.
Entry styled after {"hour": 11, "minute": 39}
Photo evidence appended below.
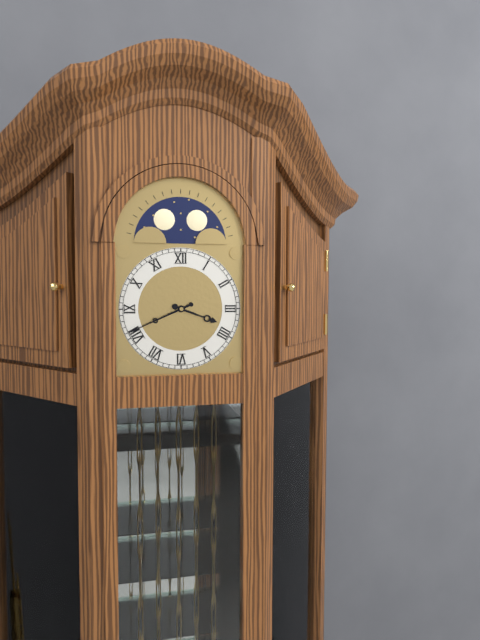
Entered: {"hour": 3, "minute": 41}
